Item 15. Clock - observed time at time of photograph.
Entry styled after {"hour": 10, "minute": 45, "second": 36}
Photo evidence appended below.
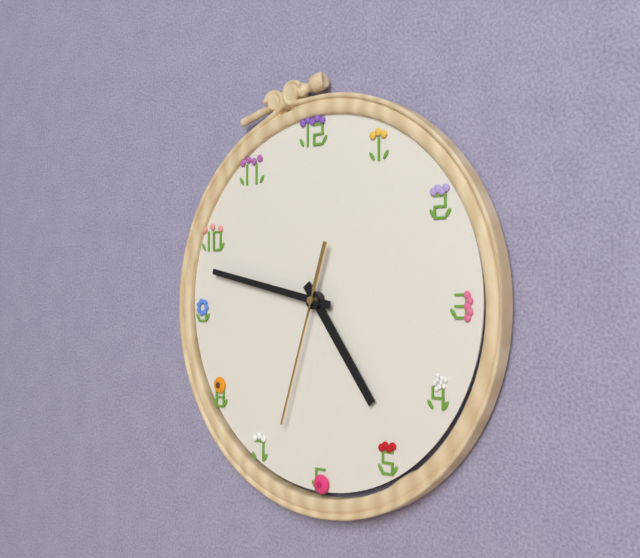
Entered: {"hour": 4, "minute": 47, "second": 33}
